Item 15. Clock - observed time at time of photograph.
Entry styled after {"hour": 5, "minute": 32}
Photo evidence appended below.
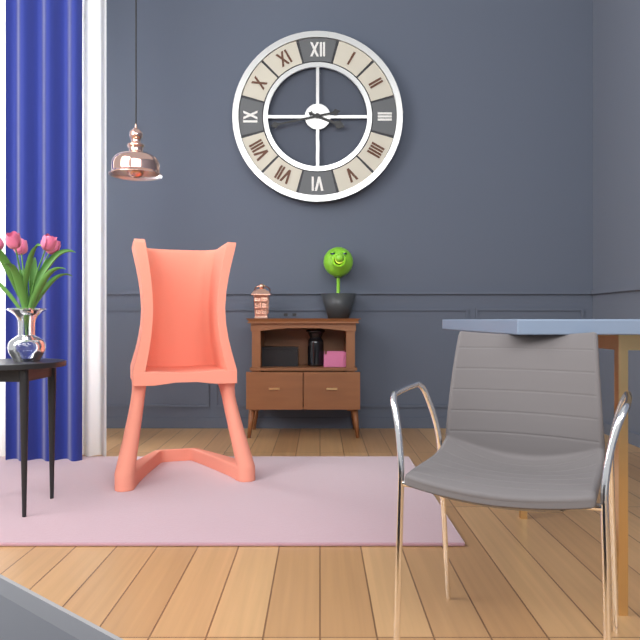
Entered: {"hour": 3, "minute": 43}
